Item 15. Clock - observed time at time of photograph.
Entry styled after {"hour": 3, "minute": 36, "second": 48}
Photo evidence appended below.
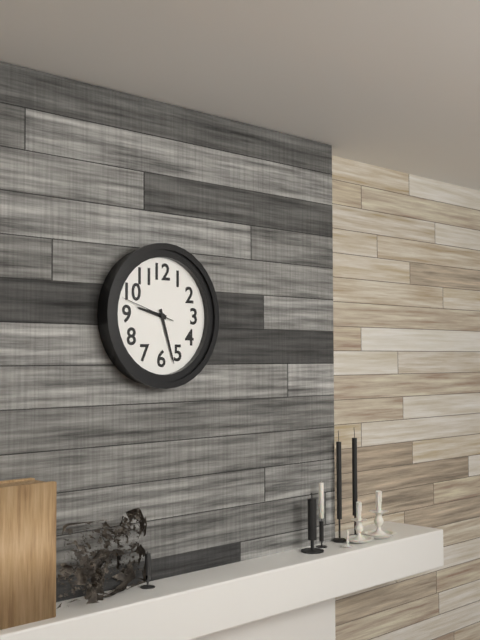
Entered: {"hour": 9, "minute": 27, "second": 48}
